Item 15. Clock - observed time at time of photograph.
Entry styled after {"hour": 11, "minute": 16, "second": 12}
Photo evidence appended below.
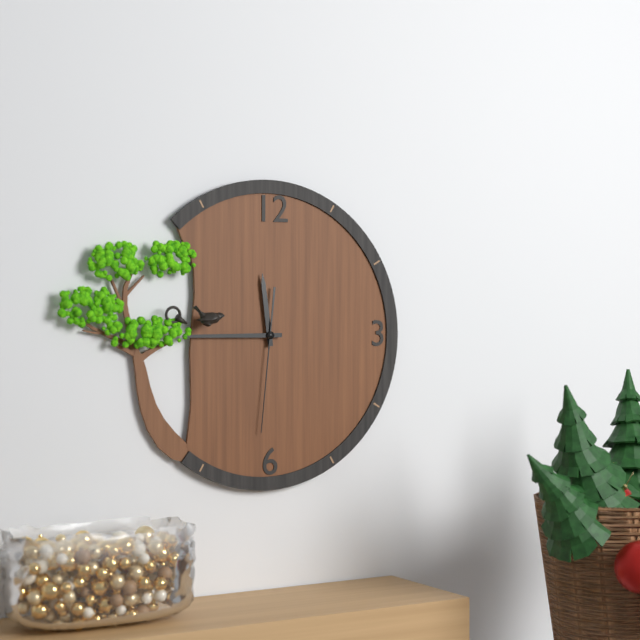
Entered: {"hour": 11, "minute": 45, "second": 31}
